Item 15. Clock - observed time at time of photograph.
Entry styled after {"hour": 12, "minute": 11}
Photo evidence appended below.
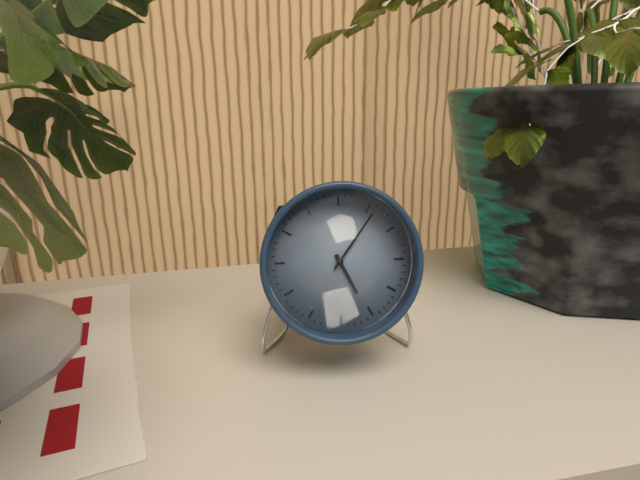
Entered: {"hour": 5, "minute": 6}
